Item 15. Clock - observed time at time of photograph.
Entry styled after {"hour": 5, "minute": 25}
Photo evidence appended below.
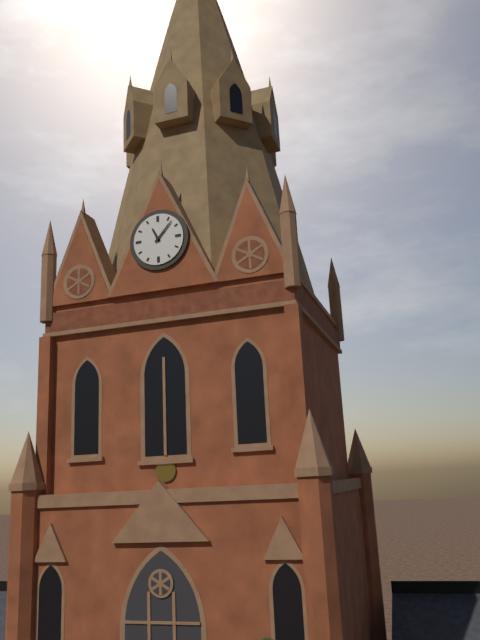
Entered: {"hour": 11, "minute": 7}
